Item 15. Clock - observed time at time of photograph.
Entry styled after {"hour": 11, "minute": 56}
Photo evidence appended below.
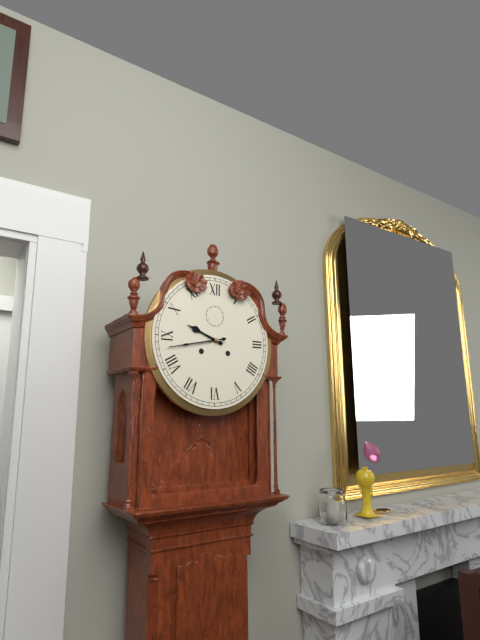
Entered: {"hour": 9, "minute": 43}
